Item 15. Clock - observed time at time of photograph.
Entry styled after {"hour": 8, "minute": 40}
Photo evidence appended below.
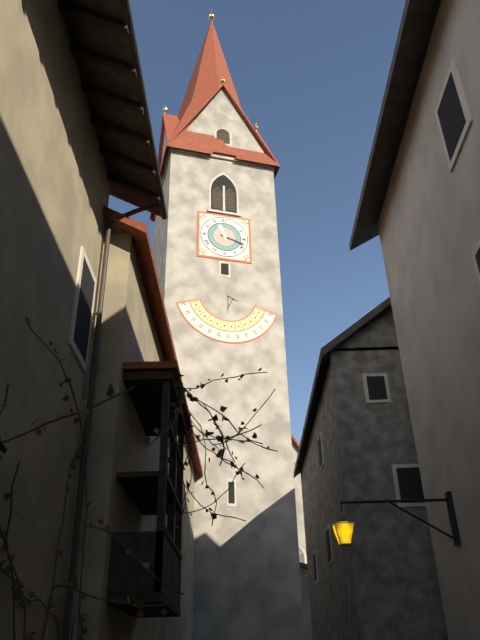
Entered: {"hour": 11, "minute": 18}
